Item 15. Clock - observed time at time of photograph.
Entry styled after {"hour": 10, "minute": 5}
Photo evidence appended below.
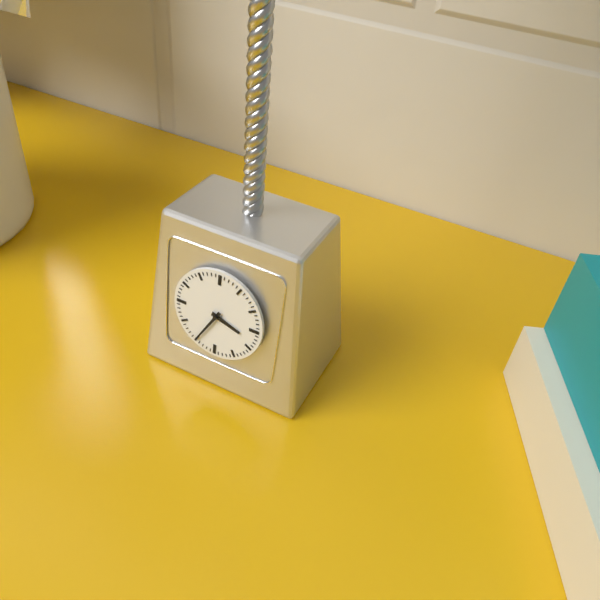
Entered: {"hour": 3, "minute": 35}
